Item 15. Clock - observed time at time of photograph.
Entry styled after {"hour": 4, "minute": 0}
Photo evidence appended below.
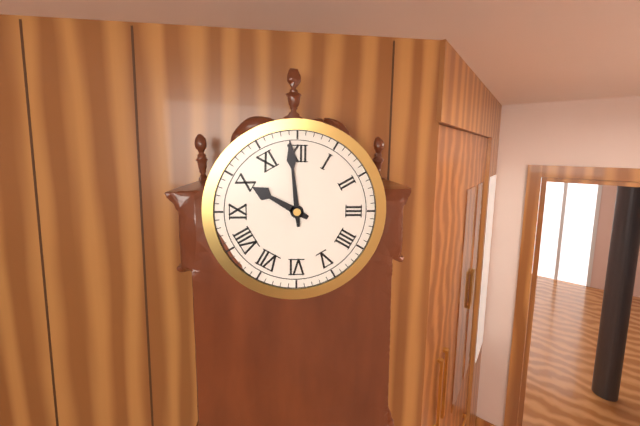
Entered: {"hour": 9, "minute": 59}
